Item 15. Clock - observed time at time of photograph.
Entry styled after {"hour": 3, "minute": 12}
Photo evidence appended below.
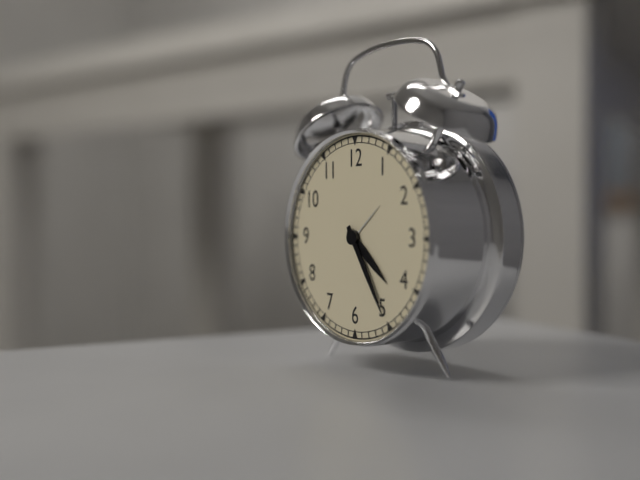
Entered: {"hour": 4, "minute": 25}
